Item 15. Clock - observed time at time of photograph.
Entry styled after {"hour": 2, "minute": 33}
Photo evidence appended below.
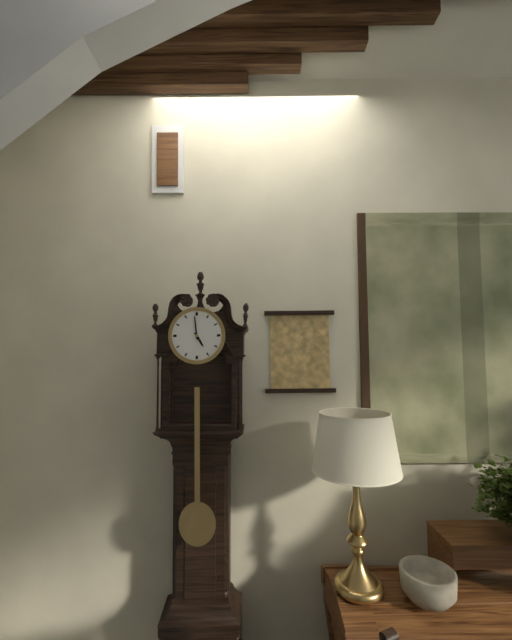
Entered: {"hour": 4, "minute": 59}
